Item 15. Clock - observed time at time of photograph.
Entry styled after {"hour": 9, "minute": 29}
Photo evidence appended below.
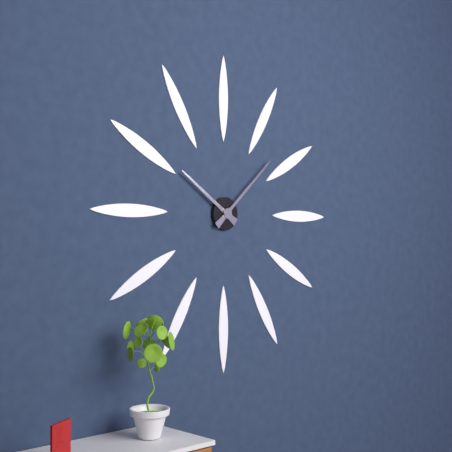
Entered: {"hour": 10, "minute": 8}
